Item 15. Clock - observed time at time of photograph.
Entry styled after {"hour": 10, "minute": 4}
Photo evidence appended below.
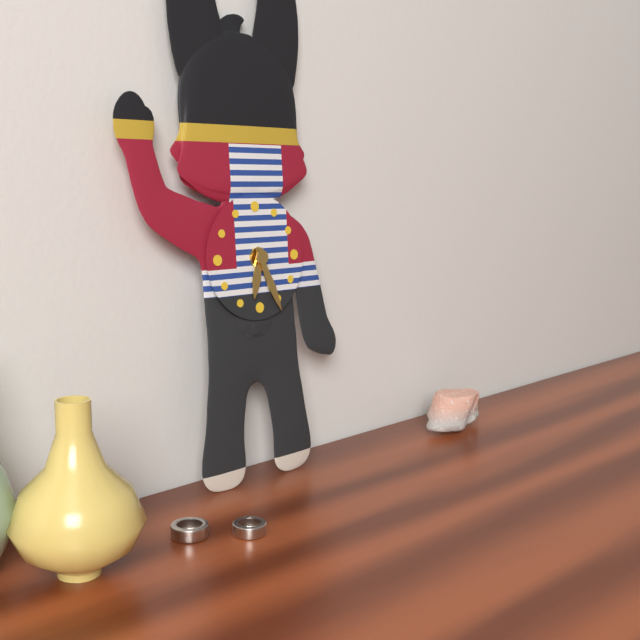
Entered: {"hour": 6, "minute": 26}
